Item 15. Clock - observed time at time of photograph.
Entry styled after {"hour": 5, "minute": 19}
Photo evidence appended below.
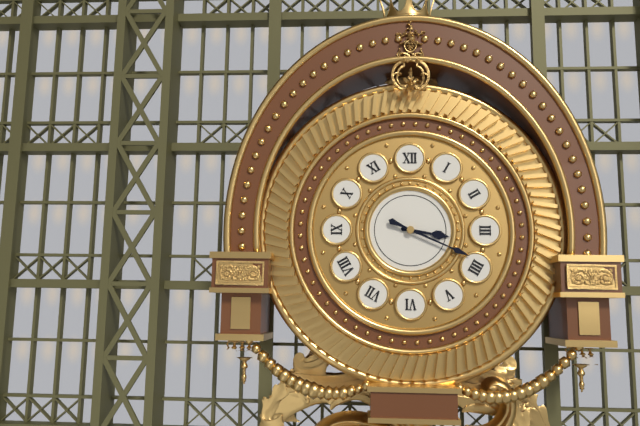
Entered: {"hour": 3, "minute": 19}
